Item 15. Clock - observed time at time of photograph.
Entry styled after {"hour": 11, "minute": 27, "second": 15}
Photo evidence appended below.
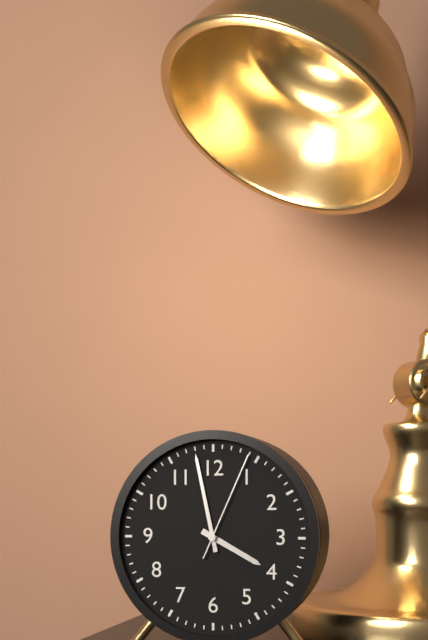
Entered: {"hour": 3, "minute": 58, "second": 4}
